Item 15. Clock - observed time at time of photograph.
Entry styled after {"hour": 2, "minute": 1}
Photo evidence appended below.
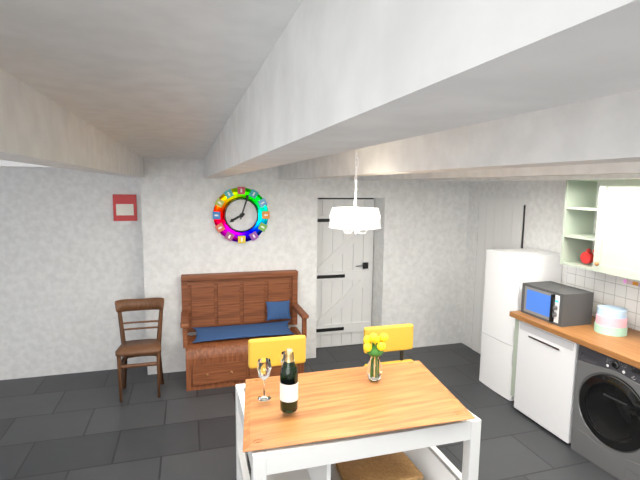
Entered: {"hour": 8, "minute": 3}
